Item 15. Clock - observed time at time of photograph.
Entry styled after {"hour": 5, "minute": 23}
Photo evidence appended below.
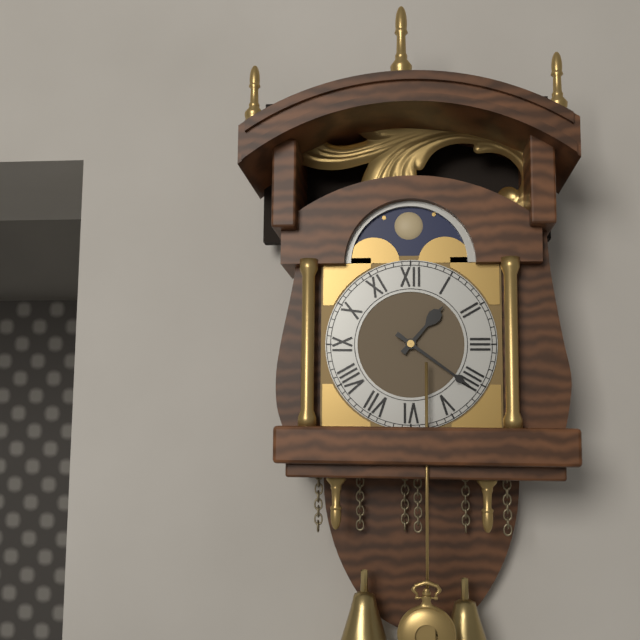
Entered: {"hour": 1, "minute": 21}
